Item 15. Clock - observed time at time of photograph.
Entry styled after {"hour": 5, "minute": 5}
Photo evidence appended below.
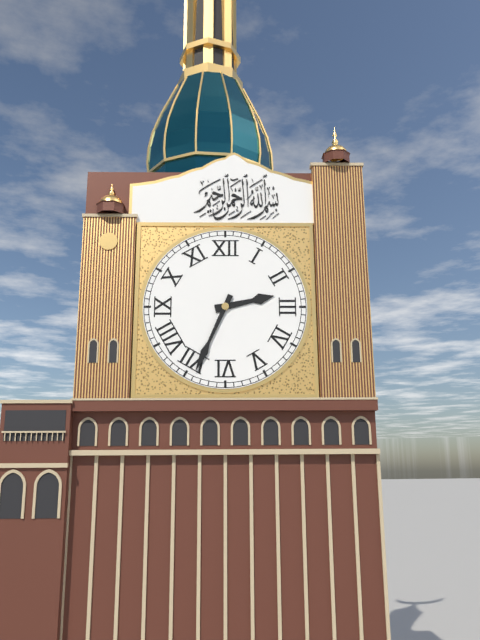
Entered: {"hour": 2, "minute": 34}
